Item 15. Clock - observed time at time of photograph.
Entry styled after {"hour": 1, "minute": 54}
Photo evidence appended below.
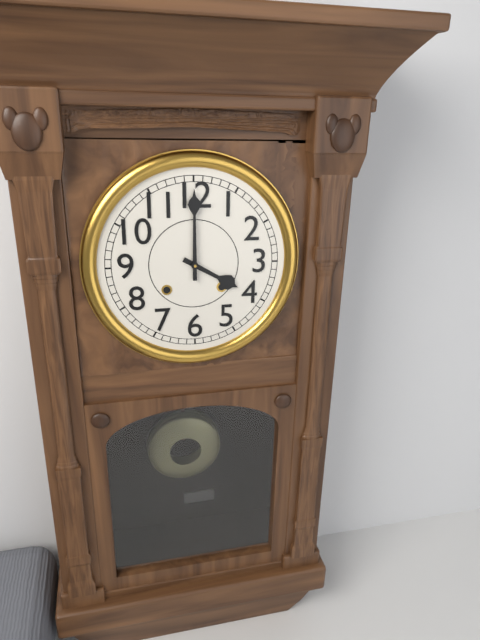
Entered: {"hour": 4, "minute": 0}
